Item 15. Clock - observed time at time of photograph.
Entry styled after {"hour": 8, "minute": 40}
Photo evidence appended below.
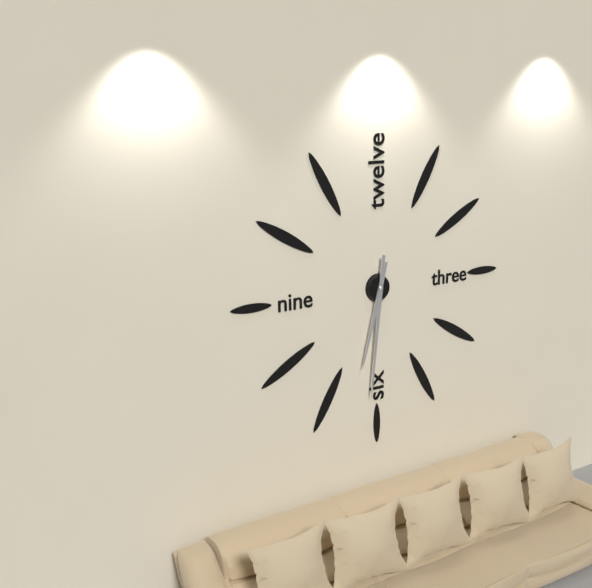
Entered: {"hour": 6, "minute": 31}
